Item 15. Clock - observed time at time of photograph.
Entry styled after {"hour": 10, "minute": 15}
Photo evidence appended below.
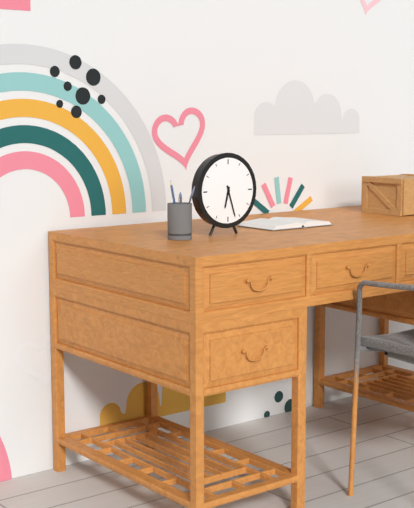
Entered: {"hour": 6, "minute": 27}
